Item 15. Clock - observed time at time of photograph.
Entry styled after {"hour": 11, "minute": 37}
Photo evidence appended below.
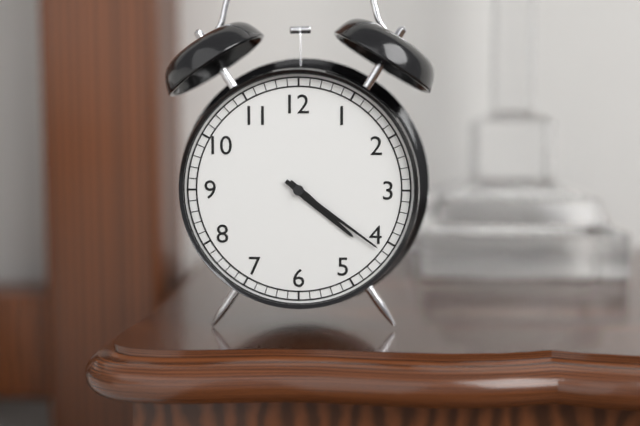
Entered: {"hour": 4, "minute": 21}
